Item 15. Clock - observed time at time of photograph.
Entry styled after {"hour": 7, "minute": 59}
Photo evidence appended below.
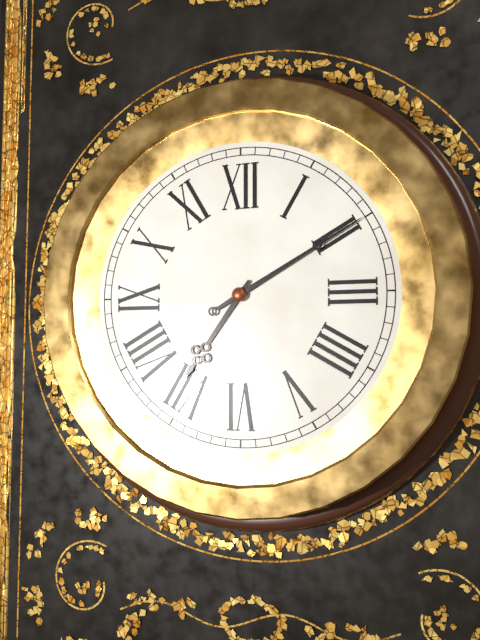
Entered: {"hour": 7, "minute": 10}
